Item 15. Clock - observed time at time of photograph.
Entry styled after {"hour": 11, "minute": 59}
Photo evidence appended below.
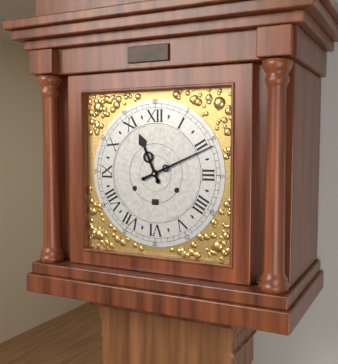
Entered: {"hour": 11, "minute": 11}
